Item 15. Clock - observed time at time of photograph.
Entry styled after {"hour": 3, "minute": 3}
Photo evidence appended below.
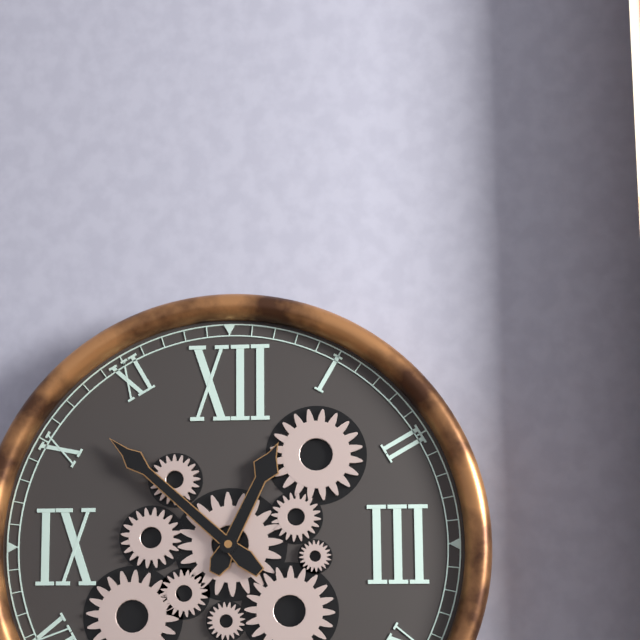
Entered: {"hour": 12, "minute": 52}
